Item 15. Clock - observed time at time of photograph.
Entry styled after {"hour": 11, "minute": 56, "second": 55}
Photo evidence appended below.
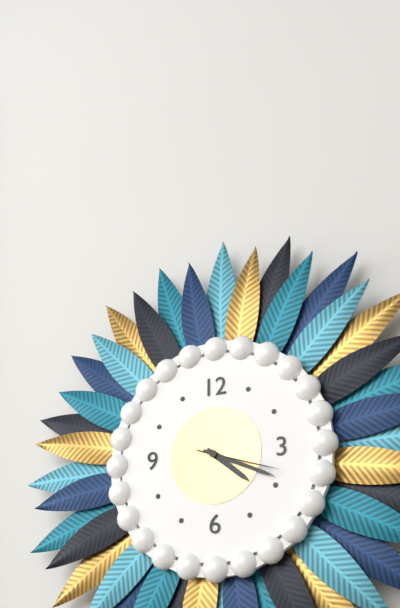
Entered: {"hour": 4, "minute": 19, "second": 18}
